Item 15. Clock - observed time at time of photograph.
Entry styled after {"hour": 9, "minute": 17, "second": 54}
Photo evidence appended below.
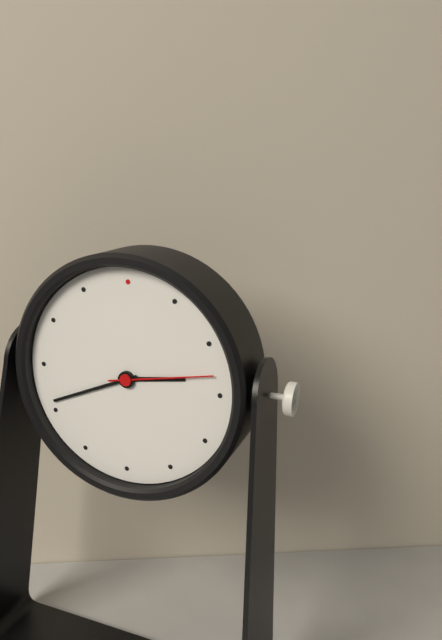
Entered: {"hour": 2, "minute": 41, "second": 13}
